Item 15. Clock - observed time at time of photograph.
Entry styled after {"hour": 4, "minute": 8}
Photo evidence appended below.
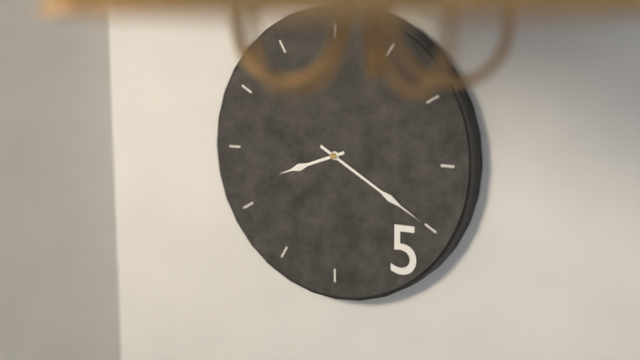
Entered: {"hour": 8, "minute": 20}
